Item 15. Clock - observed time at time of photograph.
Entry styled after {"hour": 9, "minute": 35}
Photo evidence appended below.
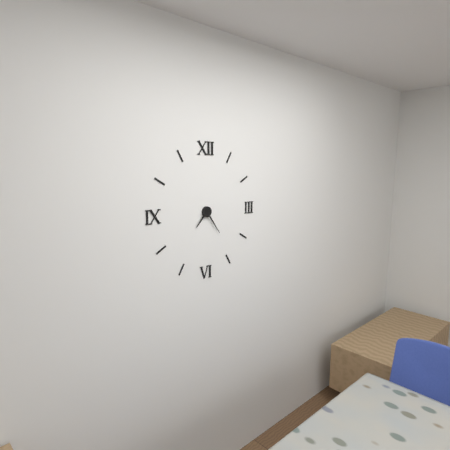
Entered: {"hour": 7, "minute": 24}
